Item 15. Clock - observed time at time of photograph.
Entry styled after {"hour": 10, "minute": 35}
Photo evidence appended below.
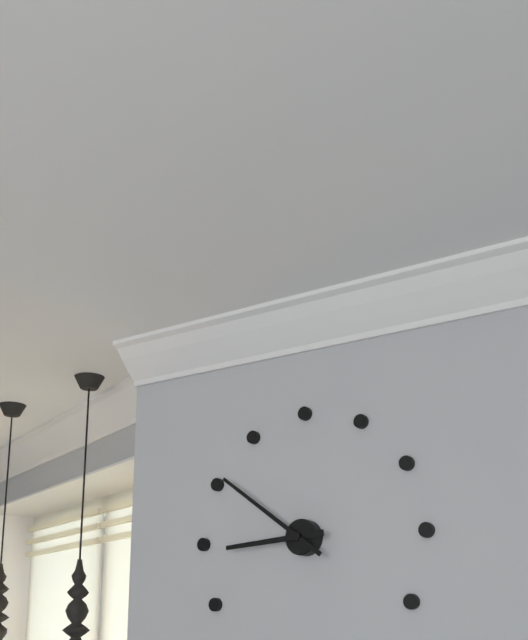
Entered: {"hour": 8, "minute": 51}
